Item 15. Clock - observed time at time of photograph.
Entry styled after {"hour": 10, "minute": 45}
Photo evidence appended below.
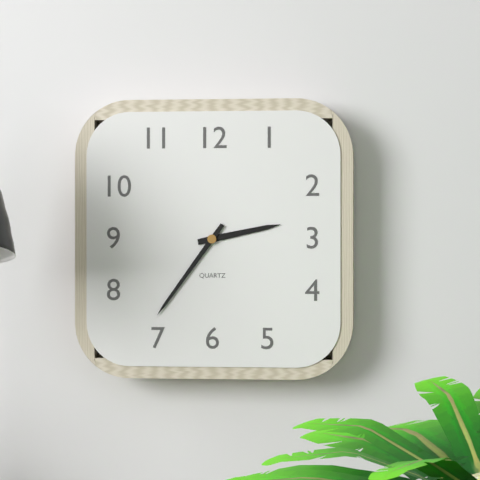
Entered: {"hour": 2, "minute": 36}
